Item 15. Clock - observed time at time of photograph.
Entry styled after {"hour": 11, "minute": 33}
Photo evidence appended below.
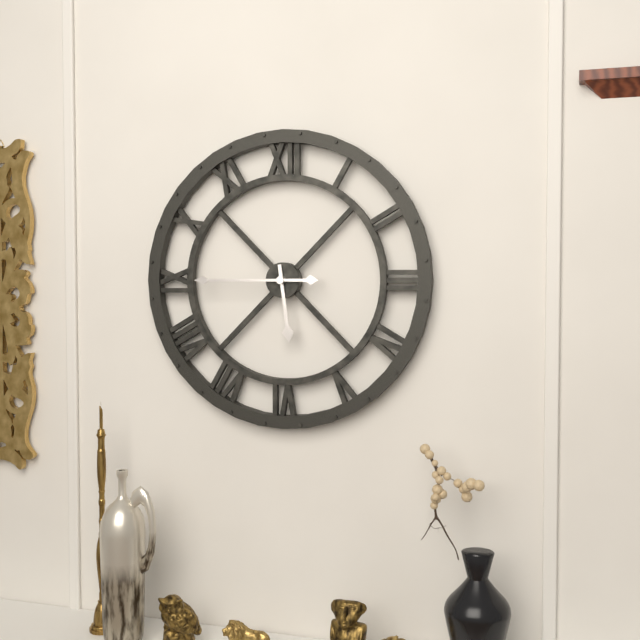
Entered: {"hour": 5, "minute": 45}
